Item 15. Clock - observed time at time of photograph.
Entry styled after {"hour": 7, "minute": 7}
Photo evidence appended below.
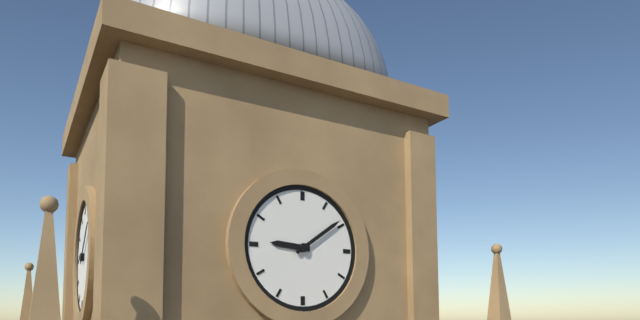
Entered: {"hour": 9, "minute": 9}
